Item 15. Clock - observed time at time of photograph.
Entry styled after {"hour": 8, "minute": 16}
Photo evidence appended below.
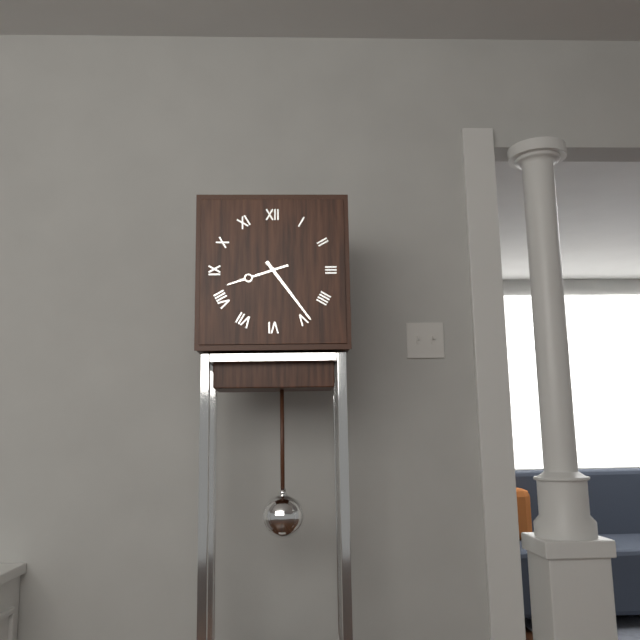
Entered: {"hour": 8, "minute": 24}
